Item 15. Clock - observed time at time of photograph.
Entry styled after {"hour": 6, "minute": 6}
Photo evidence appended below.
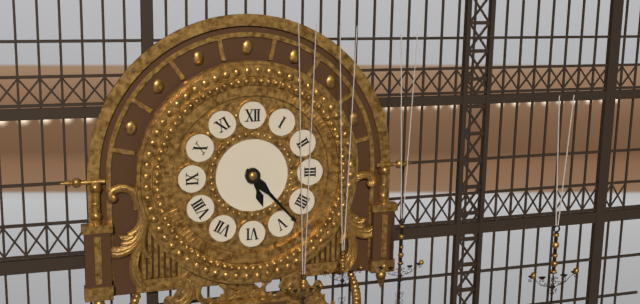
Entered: {"hour": 5, "minute": 23}
